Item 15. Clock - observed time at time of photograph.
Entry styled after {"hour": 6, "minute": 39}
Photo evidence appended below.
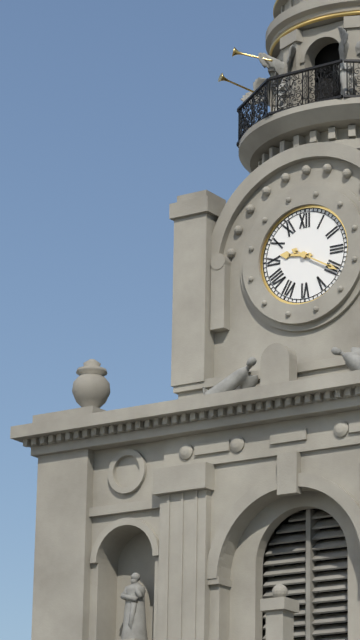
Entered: {"hour": 9, "minute": 20}
